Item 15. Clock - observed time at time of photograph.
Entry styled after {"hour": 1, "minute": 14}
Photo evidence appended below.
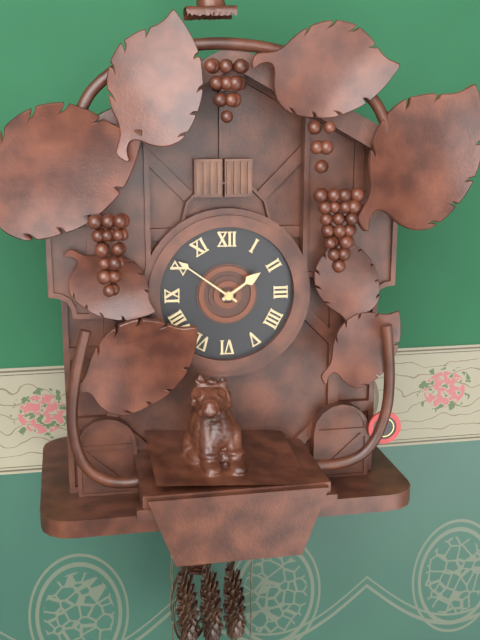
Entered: {"hour": 1, "minute": 51}
